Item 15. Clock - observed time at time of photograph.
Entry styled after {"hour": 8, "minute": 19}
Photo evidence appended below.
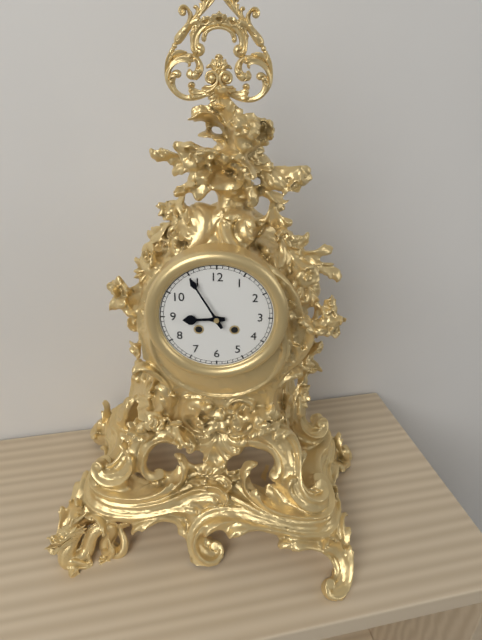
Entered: {"hour": 8, "minute": 55}
